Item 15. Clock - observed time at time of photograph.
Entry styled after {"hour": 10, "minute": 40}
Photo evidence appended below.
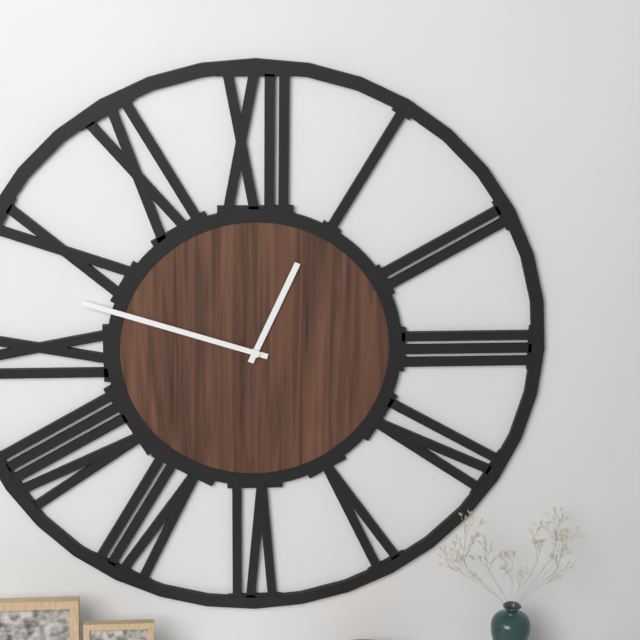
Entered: {"hour": 12, "minute": 48}
